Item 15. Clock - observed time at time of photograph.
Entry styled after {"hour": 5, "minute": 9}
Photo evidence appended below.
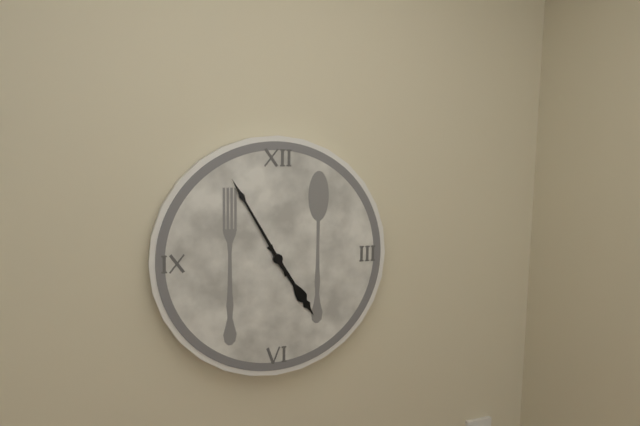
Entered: {"hour": 4, "minute": 55}
